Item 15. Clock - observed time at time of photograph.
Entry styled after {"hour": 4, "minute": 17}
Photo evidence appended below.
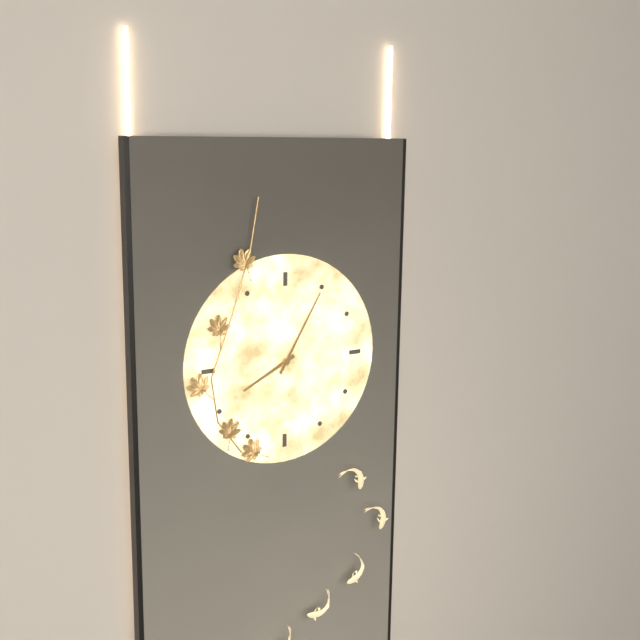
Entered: {"hour": 8, "minute": 5}
